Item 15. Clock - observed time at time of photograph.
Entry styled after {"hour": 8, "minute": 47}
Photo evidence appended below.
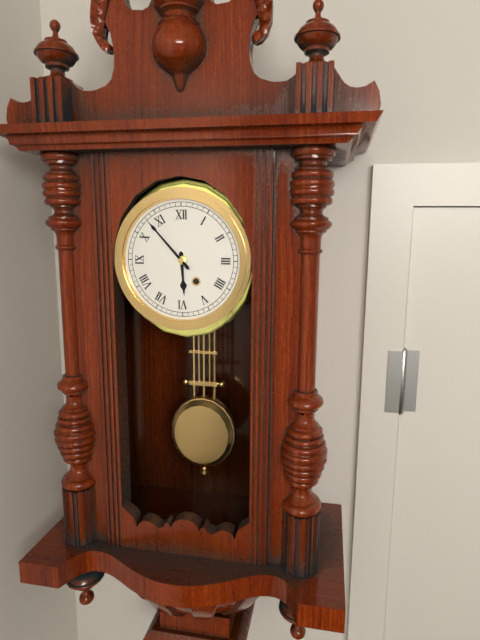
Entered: {"hour": 5, "minute": 53}
